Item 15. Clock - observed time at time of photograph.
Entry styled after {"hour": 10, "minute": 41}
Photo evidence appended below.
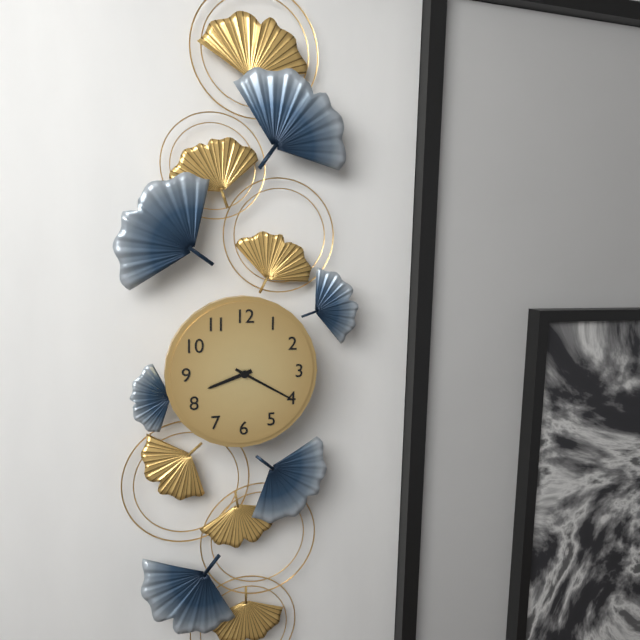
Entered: {"hour": 8, "minute": 20}
